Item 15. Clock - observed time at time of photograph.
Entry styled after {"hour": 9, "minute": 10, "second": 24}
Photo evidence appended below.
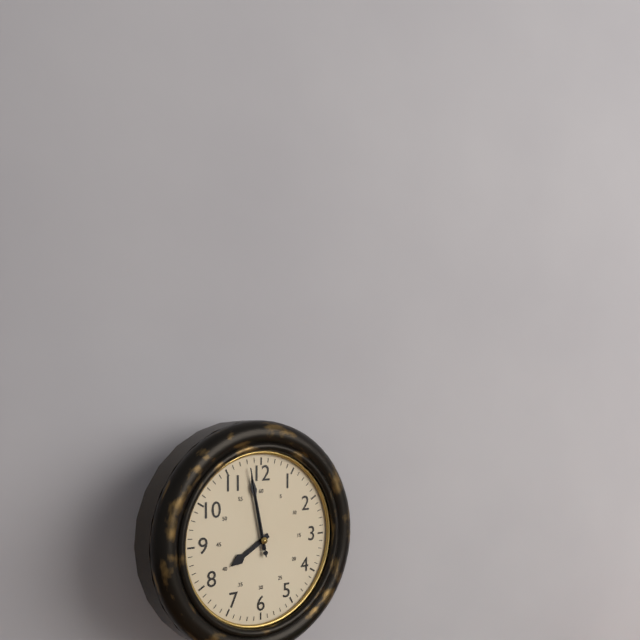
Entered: {"hour": 7, "minute": 58, "second": 58}
